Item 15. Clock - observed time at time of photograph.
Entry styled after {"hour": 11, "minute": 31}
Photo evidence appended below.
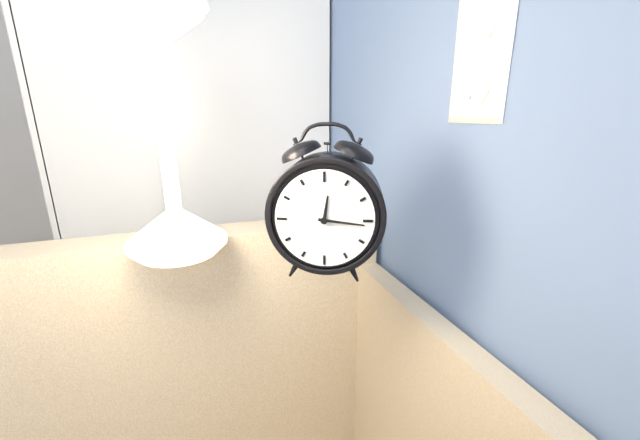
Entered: {"hour": 12, "minute": 16}
